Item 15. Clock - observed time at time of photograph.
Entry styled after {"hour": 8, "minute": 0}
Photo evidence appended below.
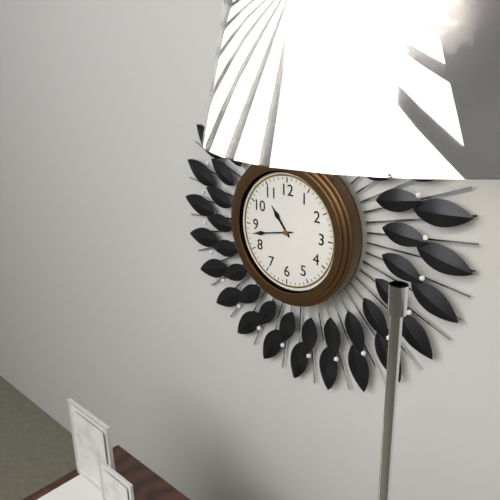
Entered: {"hour": 10, "minute": 43}
